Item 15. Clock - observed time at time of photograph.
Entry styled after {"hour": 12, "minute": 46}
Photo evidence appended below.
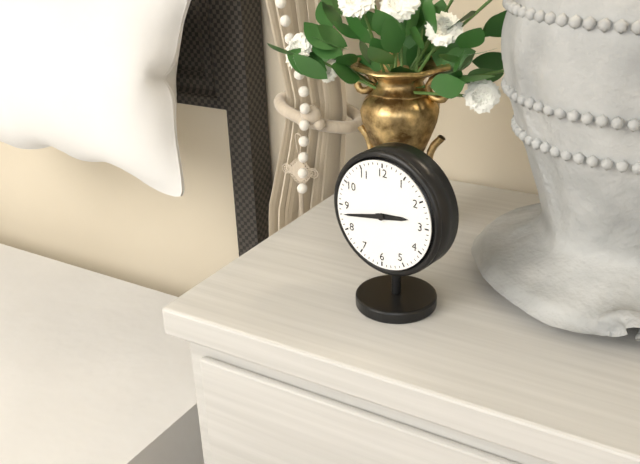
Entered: {"hour": 2, "minute": 43}
